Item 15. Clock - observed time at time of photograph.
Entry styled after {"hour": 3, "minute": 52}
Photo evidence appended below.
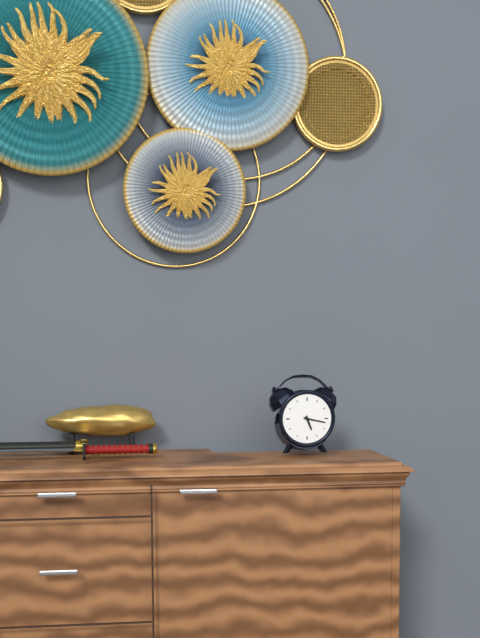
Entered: {"hour": 5, "minute": 17}
